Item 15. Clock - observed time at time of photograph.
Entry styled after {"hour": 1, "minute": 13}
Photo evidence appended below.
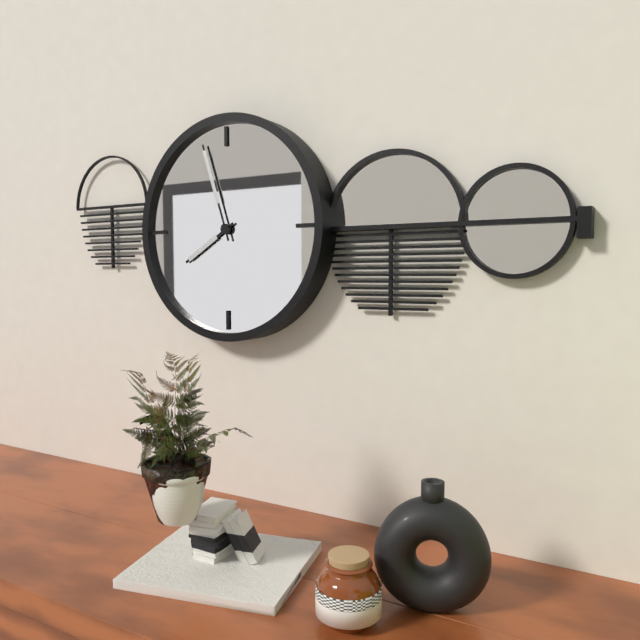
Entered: {"hour": 7, "minute": 57}
